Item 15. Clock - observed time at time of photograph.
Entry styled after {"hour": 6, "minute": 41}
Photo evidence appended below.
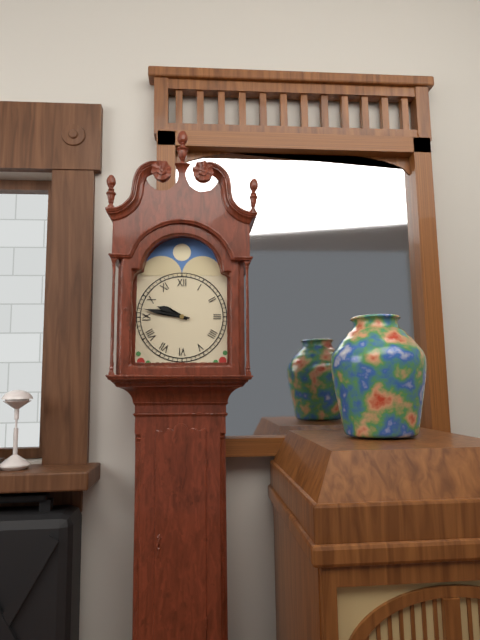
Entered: {"hour": 9, "minute": 47}
